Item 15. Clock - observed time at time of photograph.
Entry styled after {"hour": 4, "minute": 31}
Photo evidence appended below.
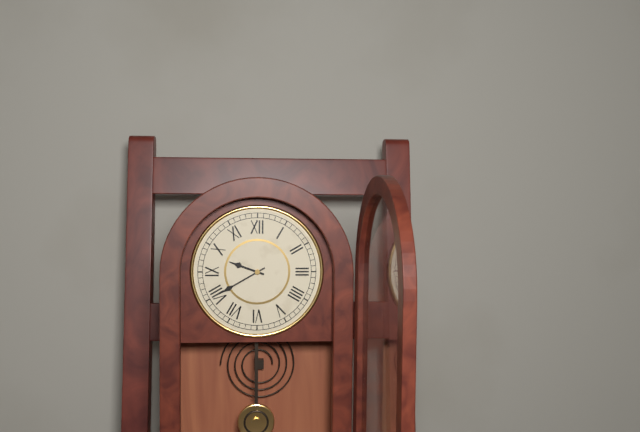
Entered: {"hour": 9, "minute": 40}
